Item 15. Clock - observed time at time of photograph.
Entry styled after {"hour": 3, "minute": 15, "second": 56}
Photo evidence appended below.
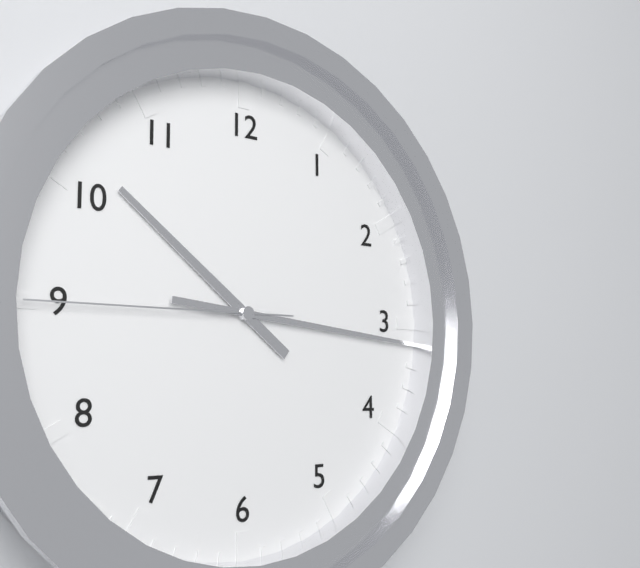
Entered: {"hour": 10, "minute": 16, "second": 45}
